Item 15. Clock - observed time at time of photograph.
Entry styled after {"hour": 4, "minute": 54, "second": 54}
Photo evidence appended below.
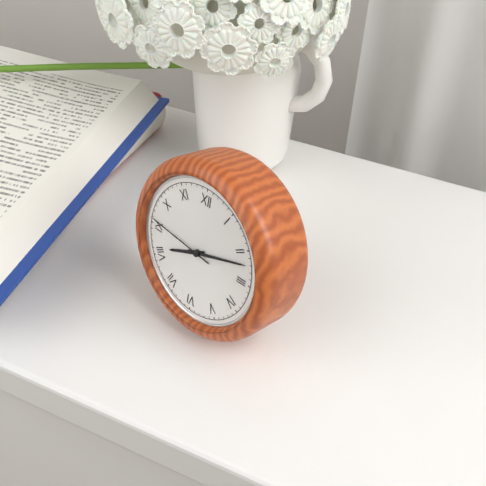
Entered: {"hour": 8, "minute": 12, "second": 46}
